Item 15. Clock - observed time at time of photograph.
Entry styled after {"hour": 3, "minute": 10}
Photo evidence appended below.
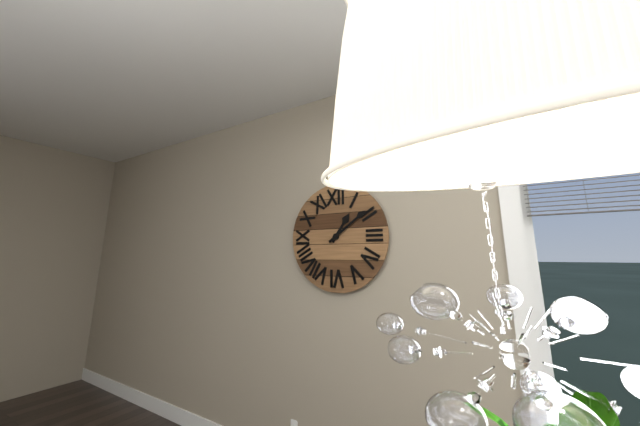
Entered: {"hour": 1, "minute": 9}
